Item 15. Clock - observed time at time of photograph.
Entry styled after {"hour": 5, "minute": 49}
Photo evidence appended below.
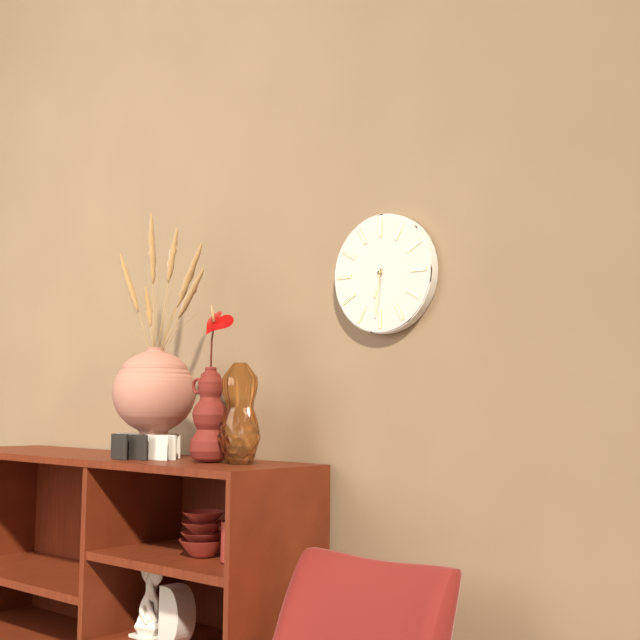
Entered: {"hour": 6, "minute": 31}
